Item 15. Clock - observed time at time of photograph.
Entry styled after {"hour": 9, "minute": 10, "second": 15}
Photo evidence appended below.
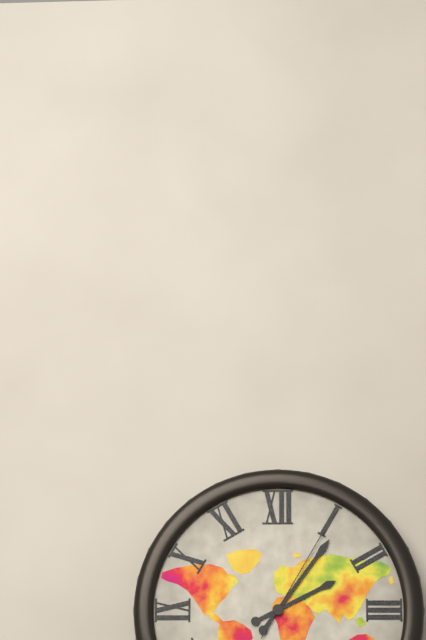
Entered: {"hour": 2, "minute": 6, "second": 5}
